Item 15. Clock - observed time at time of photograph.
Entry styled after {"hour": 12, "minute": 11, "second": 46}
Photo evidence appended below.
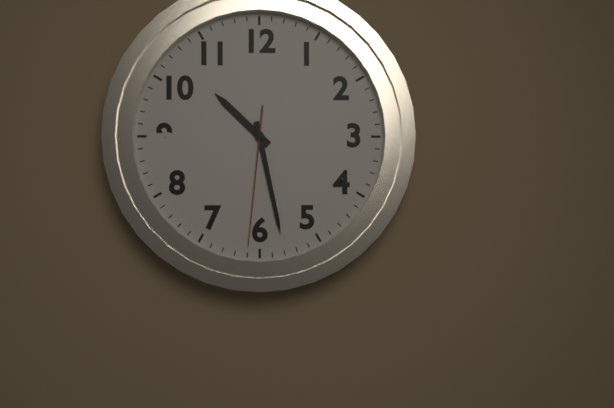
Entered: {"hour": 10, "minute": 28, "second": 31}
